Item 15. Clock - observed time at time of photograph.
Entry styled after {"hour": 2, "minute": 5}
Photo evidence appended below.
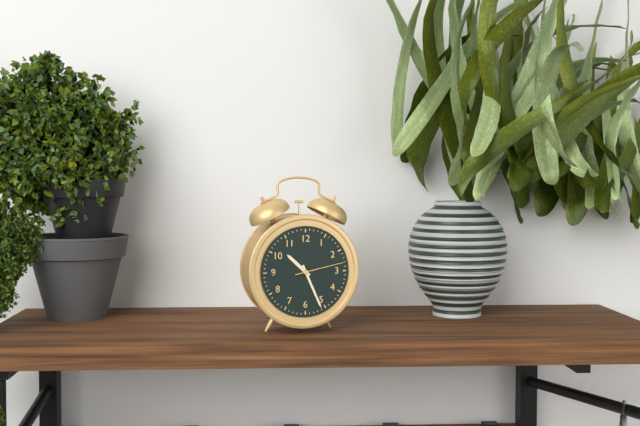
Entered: {"hour": 10, "minute": 26}
